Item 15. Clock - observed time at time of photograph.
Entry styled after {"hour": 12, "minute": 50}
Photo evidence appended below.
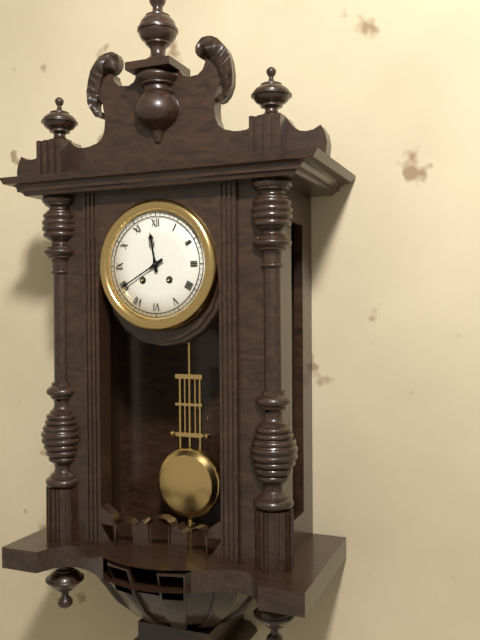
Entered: {"hour": 11, "minute": 40}
